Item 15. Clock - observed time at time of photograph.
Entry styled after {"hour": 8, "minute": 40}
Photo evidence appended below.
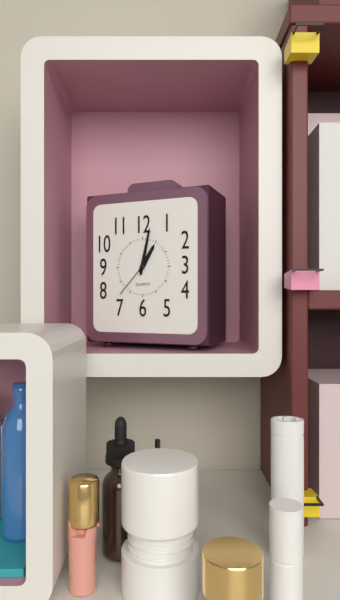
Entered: {"hour": 1, "minute": 2}
